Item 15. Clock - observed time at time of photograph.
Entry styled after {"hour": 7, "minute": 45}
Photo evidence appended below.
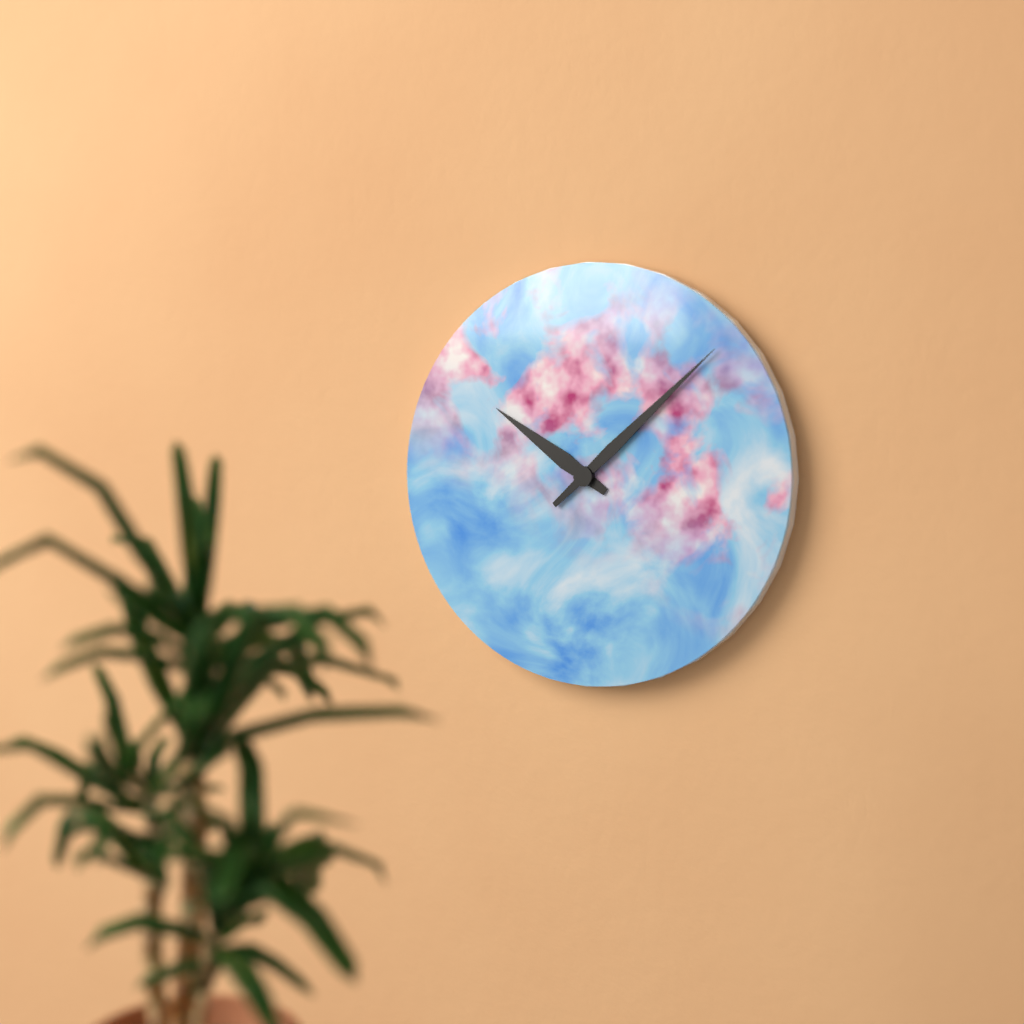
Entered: {"hour": 10, "minute": 8}
